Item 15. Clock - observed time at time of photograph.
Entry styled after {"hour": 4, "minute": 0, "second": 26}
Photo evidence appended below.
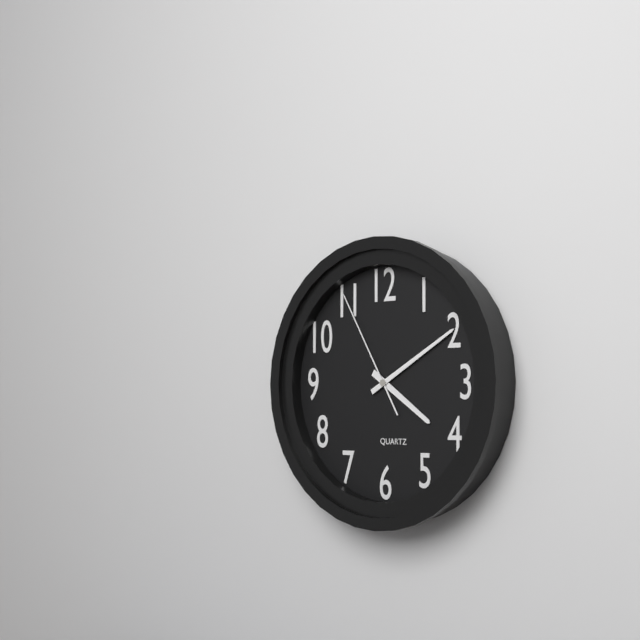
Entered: {"hour": 4, "minute": 10, "second": 55}
